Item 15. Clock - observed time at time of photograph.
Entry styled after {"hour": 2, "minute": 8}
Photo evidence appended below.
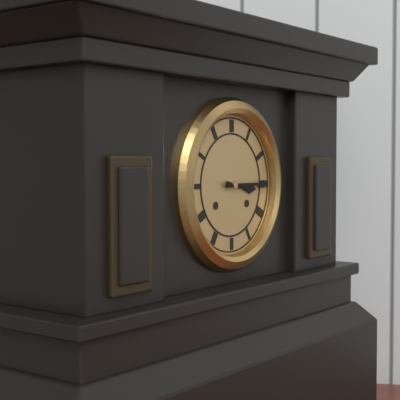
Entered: {"hour": 3, "minute": 15}
